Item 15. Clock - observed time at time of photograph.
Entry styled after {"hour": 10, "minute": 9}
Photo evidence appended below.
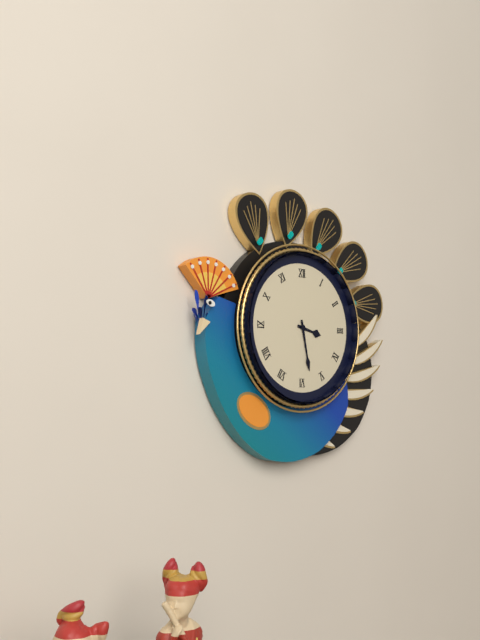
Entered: {"hour": 3, "minute": 28}
